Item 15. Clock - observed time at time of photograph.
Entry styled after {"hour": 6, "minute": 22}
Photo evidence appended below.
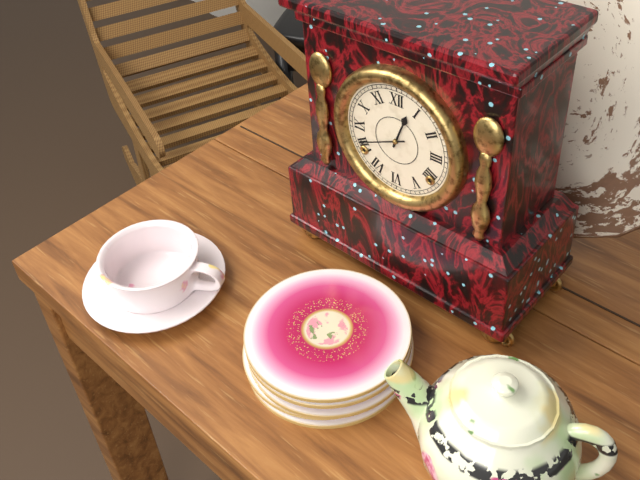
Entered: {"hour": 12, "minute": 41}
